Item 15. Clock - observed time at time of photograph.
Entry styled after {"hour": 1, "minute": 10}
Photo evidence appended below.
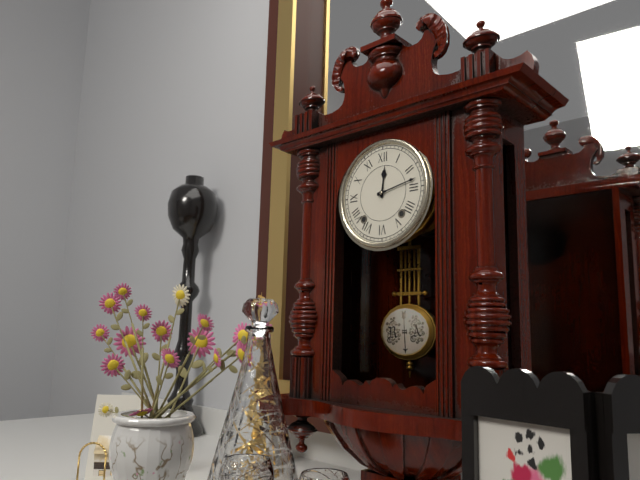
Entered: {"hour": 12, "minute": 13}
